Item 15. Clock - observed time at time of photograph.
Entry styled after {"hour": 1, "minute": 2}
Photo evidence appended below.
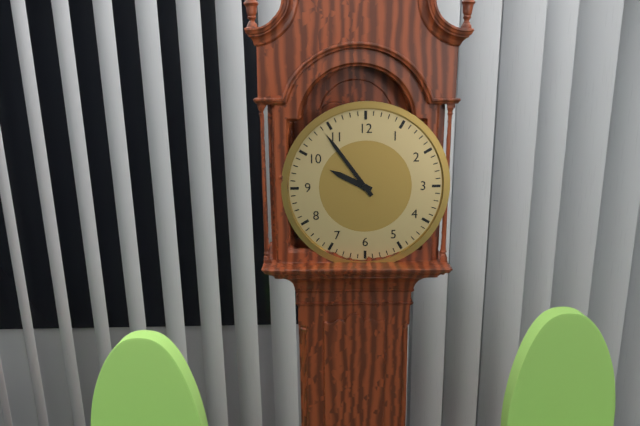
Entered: {"hour": 9, "minute": 54}
